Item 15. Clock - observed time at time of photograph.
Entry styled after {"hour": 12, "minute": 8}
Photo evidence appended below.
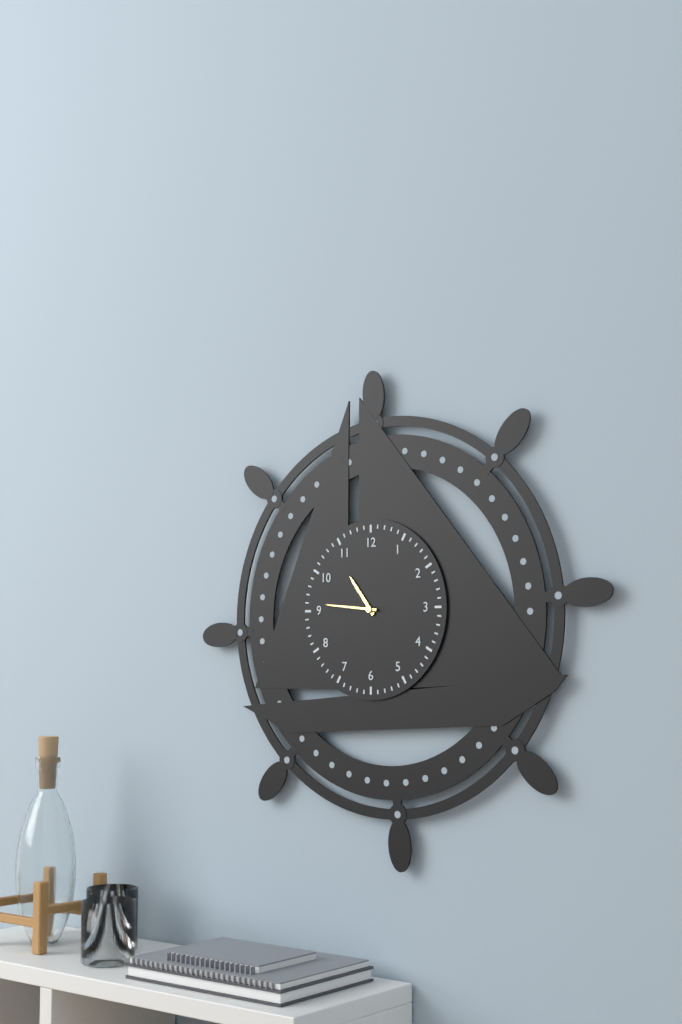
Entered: {"hour": 10, "minute": 46}
